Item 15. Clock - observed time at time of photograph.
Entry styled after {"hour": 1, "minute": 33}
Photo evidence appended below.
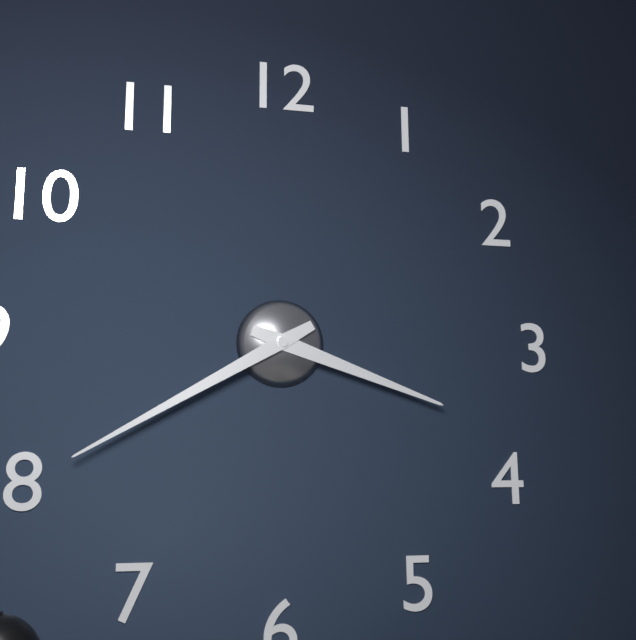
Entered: {"hour": 3, "minute": 40}
